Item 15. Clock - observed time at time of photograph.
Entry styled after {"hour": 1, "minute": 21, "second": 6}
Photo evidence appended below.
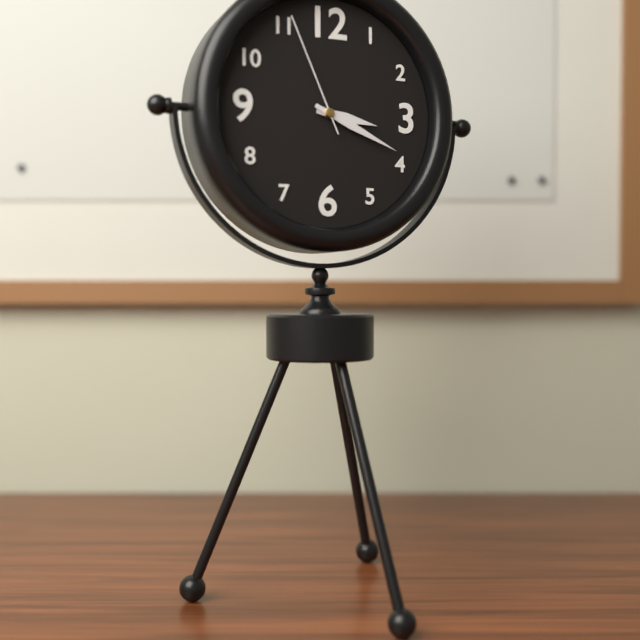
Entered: {"hour": 3, "minute": 19, "second": 56}
